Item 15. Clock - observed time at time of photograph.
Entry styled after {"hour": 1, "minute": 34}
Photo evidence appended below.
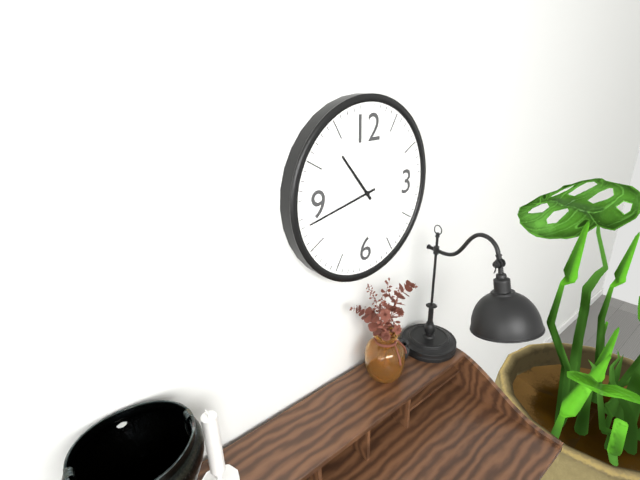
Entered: {"hour": 10, "minute": 43}
